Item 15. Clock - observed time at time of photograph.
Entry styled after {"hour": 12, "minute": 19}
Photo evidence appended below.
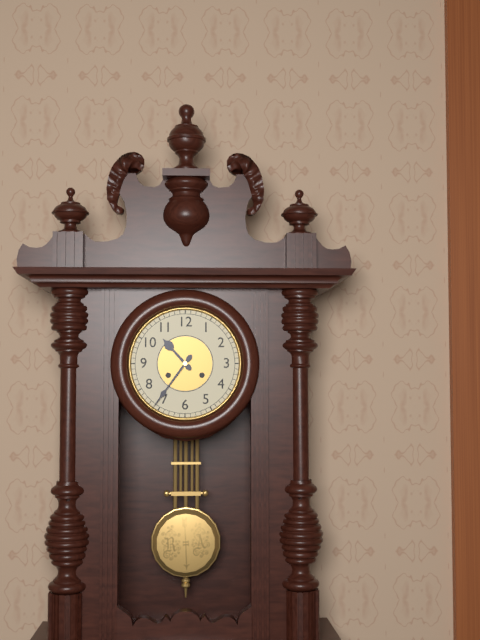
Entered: {"hour": 10, "minute": 36}
